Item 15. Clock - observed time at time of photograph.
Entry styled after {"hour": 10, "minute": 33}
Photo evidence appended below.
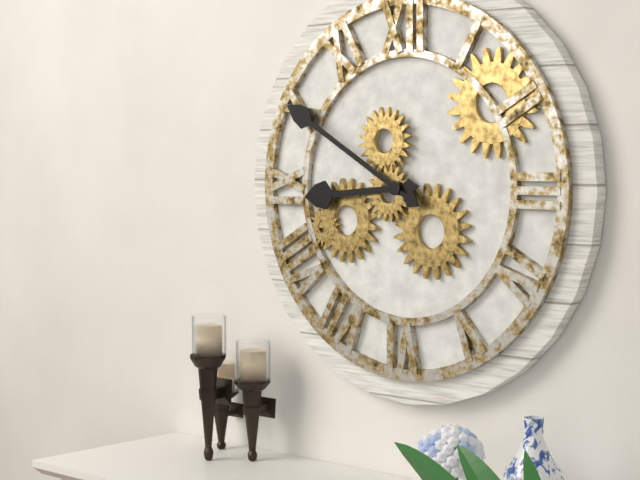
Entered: {"hour": 8, "minute": 50}
